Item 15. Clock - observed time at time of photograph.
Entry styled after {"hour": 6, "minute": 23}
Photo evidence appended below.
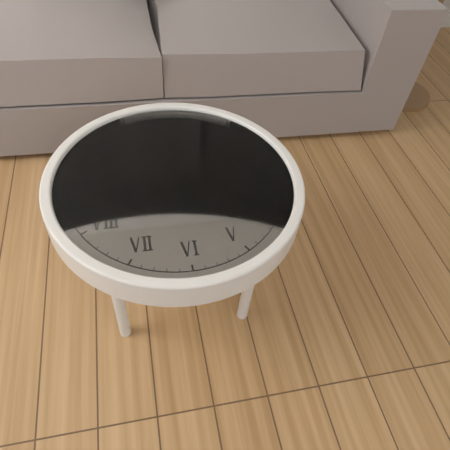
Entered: {"hour": 11, "minute": 0}
